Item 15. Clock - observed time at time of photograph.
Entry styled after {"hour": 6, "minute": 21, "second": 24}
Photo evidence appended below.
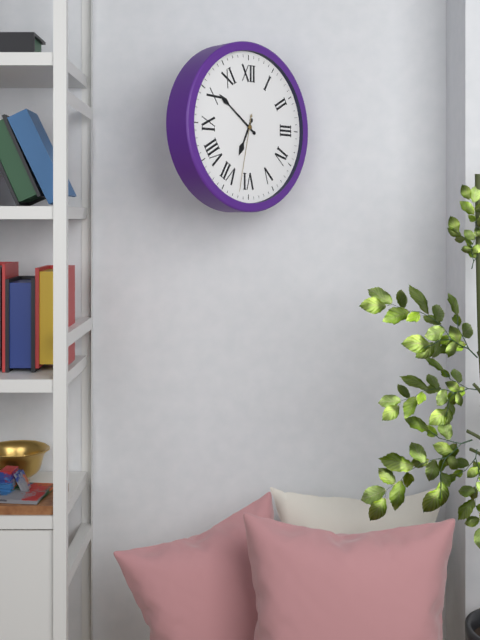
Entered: {"hour": 6, "minute": 51, "second": 32}
